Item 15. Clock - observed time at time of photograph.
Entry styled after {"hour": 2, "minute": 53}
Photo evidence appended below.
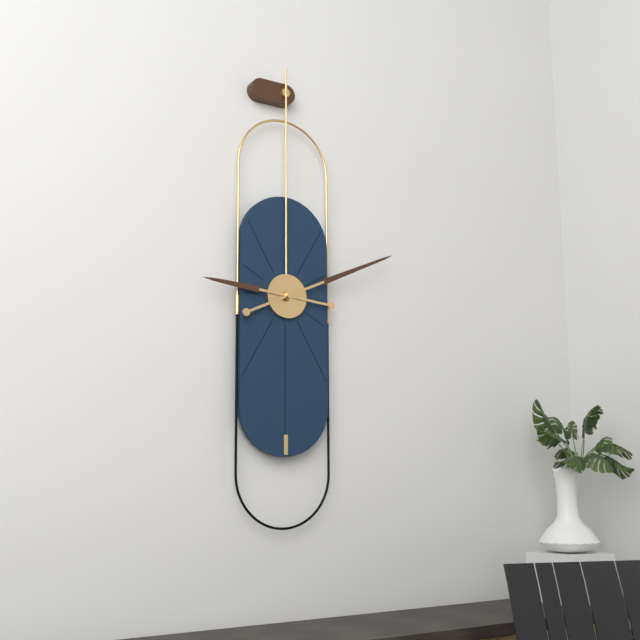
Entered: {"hour": 9, "minute": 11}
